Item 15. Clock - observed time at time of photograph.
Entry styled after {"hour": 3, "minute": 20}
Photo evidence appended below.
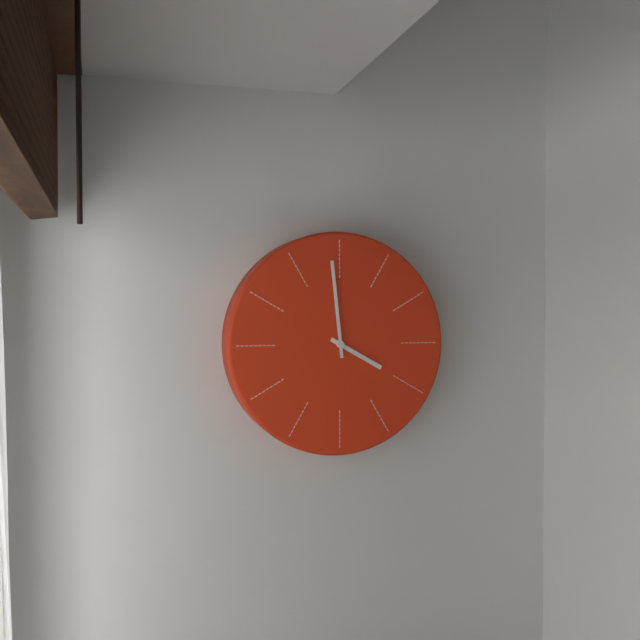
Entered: {"hour": 3, "minute": 59}
